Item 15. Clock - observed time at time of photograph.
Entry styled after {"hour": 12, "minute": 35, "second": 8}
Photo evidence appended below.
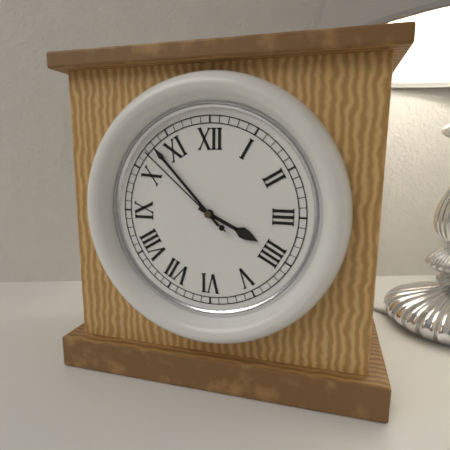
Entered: {"hour": 3, "minute": 53, "second": 52}
